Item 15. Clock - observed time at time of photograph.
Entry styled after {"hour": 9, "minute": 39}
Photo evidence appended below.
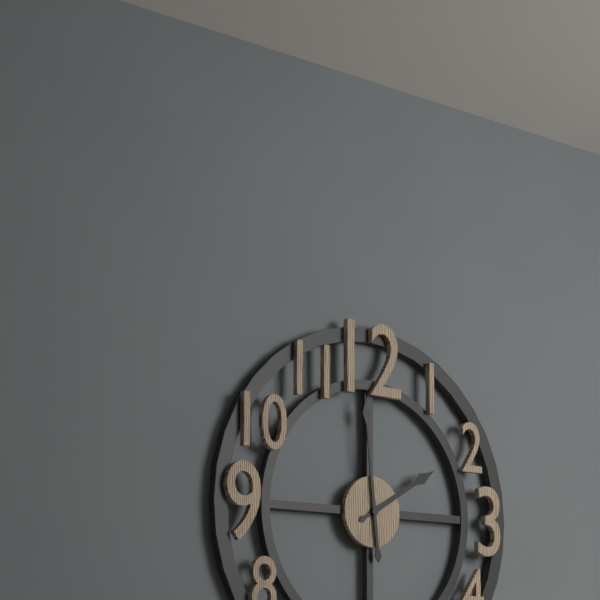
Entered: {"hour": 1, "minute": 59}
